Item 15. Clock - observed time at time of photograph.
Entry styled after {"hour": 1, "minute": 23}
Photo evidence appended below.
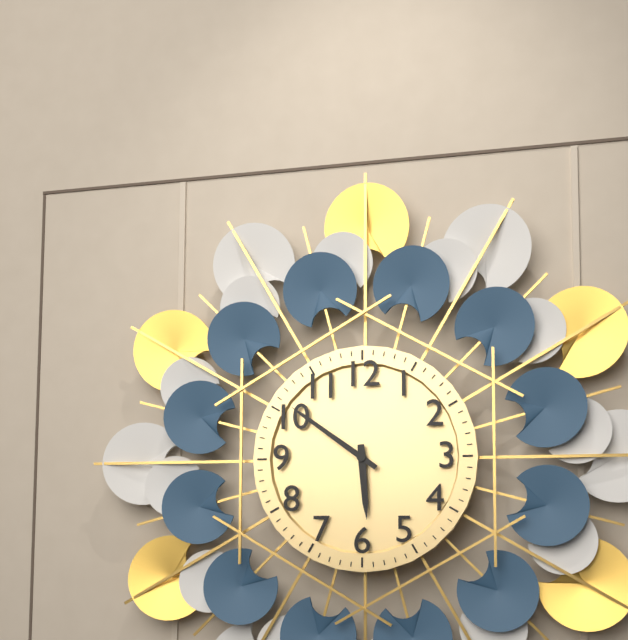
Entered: {"hour": 5, "minute": 51}
